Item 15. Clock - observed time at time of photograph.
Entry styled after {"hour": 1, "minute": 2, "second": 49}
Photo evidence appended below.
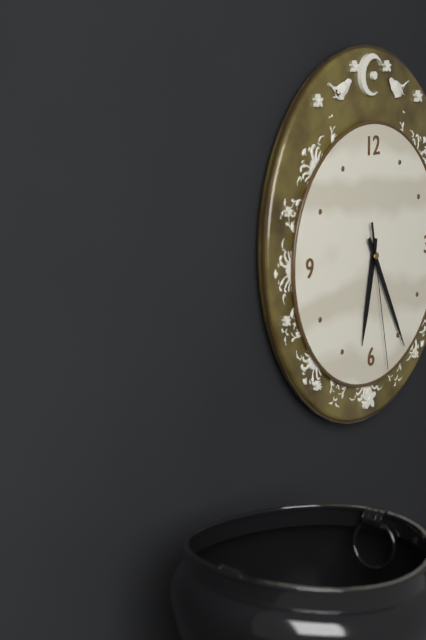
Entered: {"hour": 6, "minute": 25, "second": 28}
